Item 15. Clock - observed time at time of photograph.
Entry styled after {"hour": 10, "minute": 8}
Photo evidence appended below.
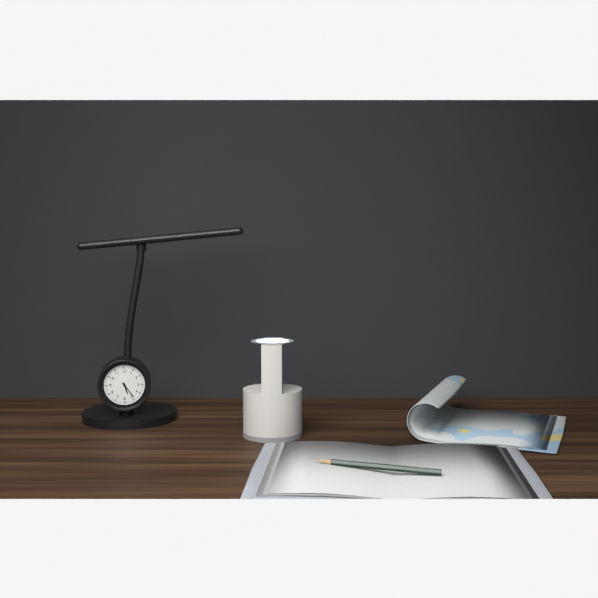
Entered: {"hour": 5, "minute": 24}
